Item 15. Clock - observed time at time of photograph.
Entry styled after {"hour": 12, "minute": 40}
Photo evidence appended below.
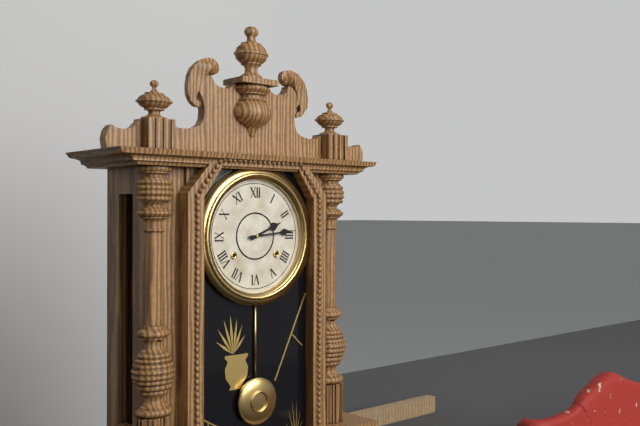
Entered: {"hour": 2, "minute": 14}
